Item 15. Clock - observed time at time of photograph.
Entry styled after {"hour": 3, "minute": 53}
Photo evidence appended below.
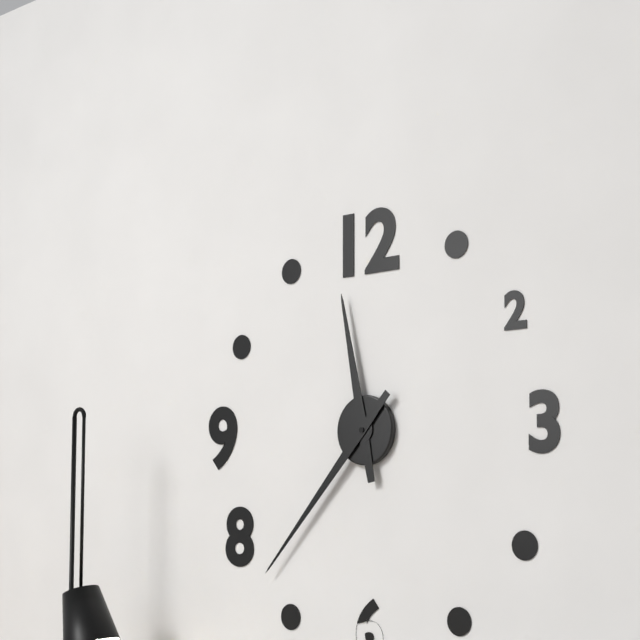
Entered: {"hour": 11, "minute": 37}
